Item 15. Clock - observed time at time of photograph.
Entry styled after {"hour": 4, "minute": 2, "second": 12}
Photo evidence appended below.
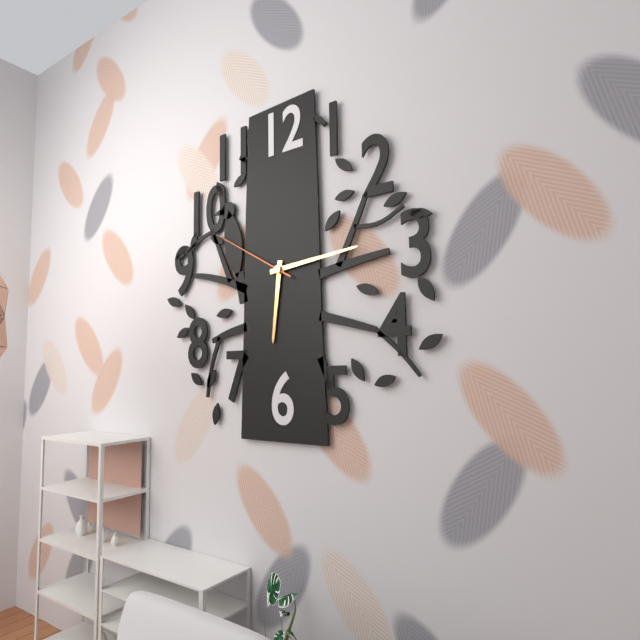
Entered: {"hour": 6, "minute": 14, "second": 50}
